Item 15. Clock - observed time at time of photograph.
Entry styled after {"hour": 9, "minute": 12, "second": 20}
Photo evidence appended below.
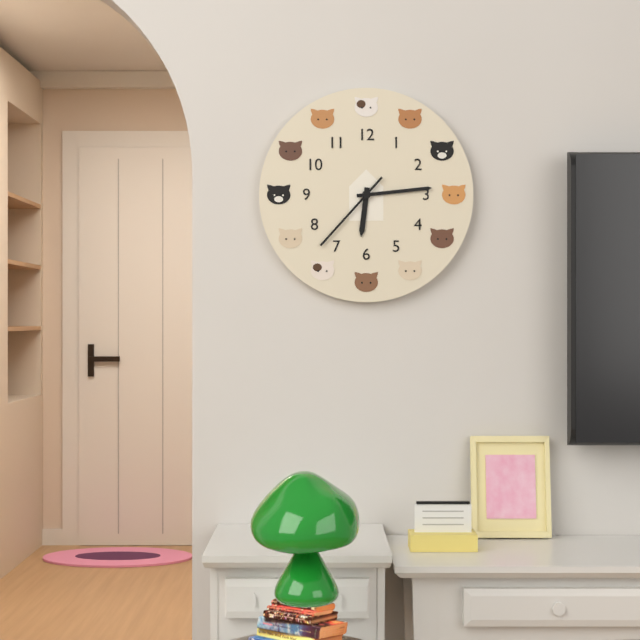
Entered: {"hour": 6, "minute": 14, "second": 37}
